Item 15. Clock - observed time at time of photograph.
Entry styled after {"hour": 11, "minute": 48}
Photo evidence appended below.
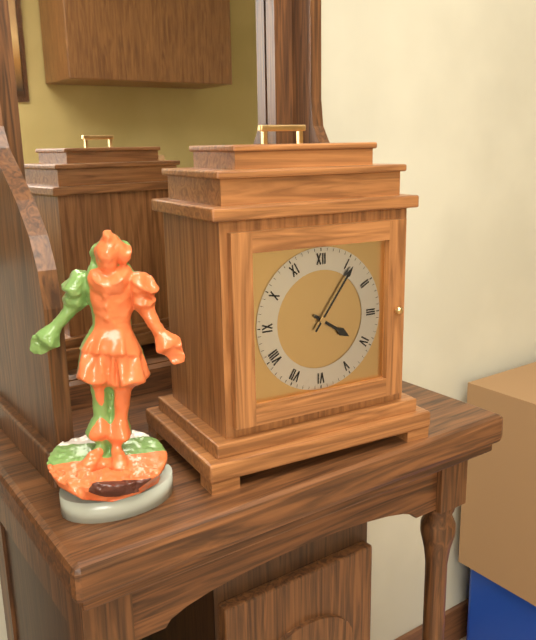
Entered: {"hour": 4, "minute": 6}
